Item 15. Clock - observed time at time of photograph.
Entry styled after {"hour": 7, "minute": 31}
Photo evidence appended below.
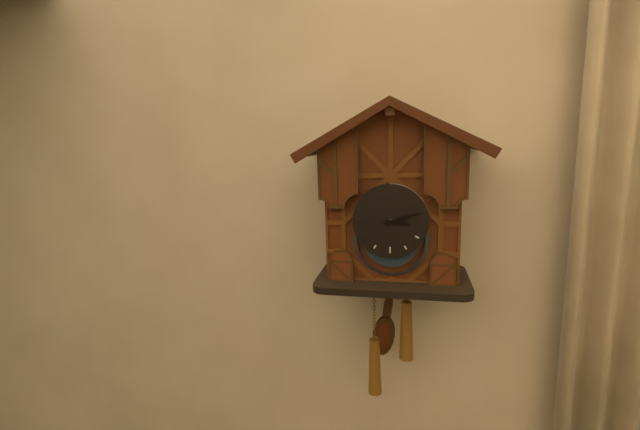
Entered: {"hour": 3, "minute": 12}
